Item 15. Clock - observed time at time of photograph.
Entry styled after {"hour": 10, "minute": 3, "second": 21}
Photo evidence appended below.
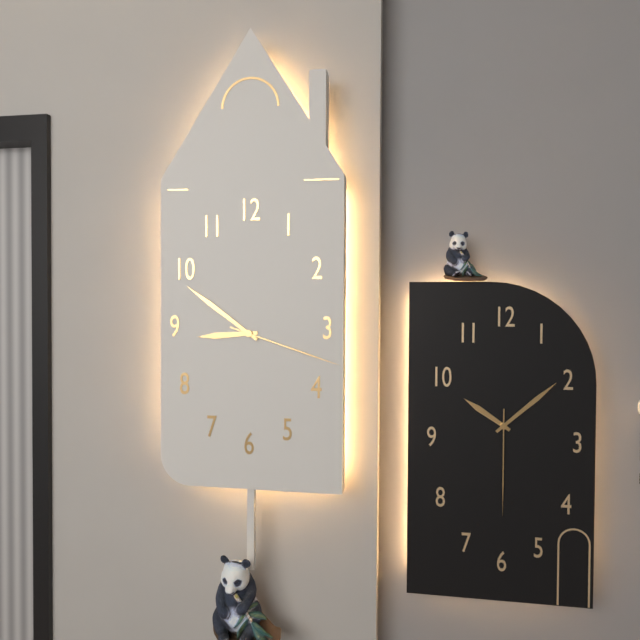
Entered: {"hour": 8, "minute": 51, "second": 18}
